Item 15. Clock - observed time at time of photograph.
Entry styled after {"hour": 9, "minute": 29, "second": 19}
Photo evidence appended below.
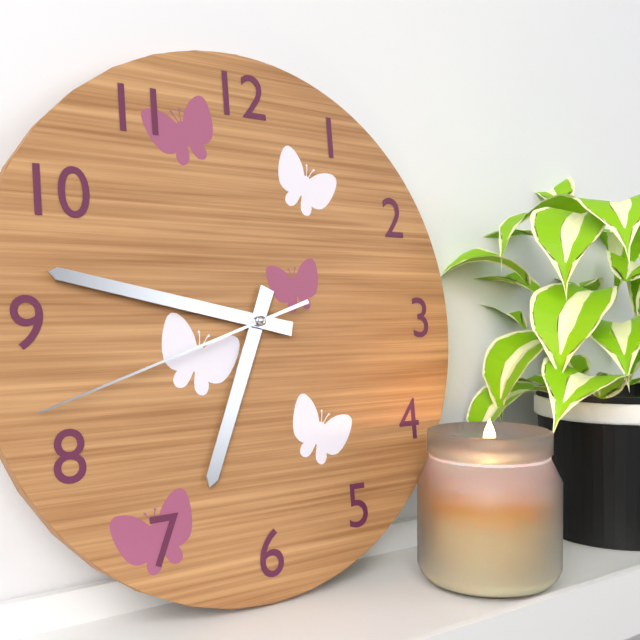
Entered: {"hour": 6, "minute": 47, "second": 42}
